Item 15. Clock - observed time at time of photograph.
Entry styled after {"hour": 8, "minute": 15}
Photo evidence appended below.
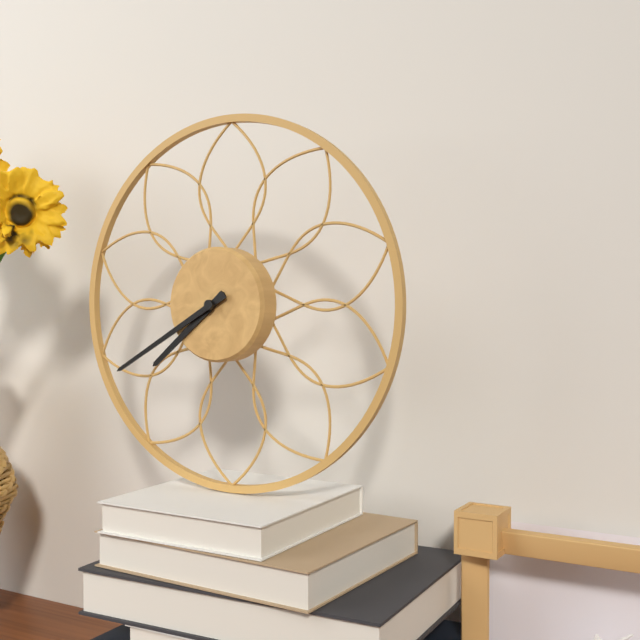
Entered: {"hour": 7, "minute": 40}
